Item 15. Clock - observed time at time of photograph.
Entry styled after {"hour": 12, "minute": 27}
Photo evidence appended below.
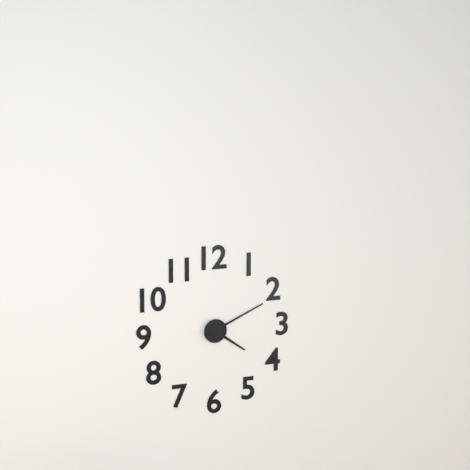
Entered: {"hour": 4, "minute": 11}
